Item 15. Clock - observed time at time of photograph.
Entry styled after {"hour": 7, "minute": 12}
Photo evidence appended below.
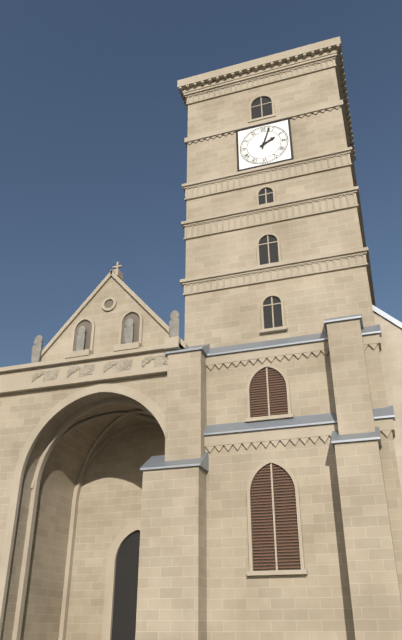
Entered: {"hour": 2, "minute": 3}
